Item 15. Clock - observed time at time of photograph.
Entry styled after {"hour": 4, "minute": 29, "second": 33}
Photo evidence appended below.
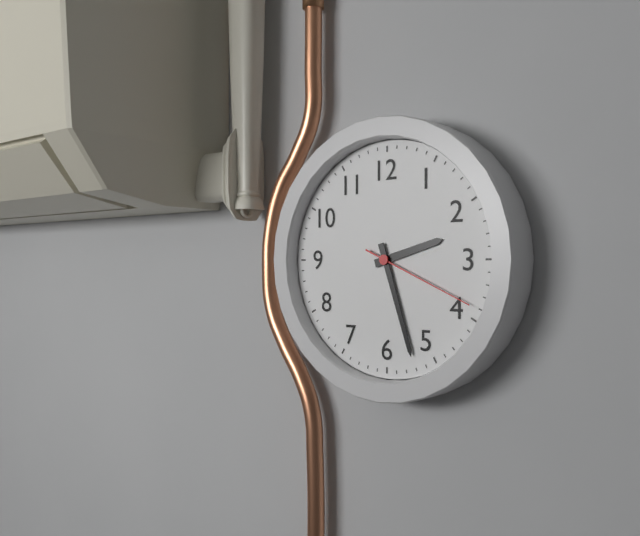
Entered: {"hour": 2, "minute": 27, "second": 19}
